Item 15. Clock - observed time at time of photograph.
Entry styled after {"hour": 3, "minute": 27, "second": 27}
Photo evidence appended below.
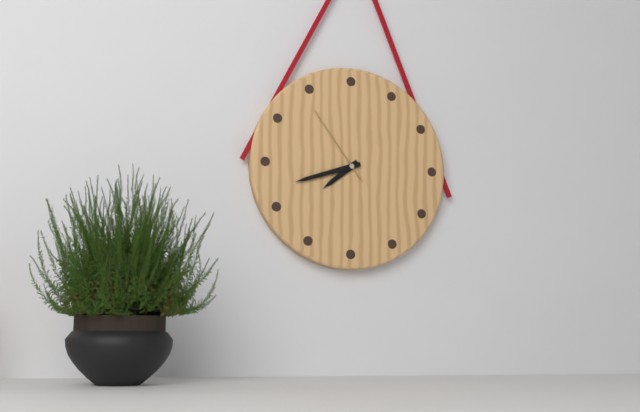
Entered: {"hour": 7, "minute": 42, "second": 54}
